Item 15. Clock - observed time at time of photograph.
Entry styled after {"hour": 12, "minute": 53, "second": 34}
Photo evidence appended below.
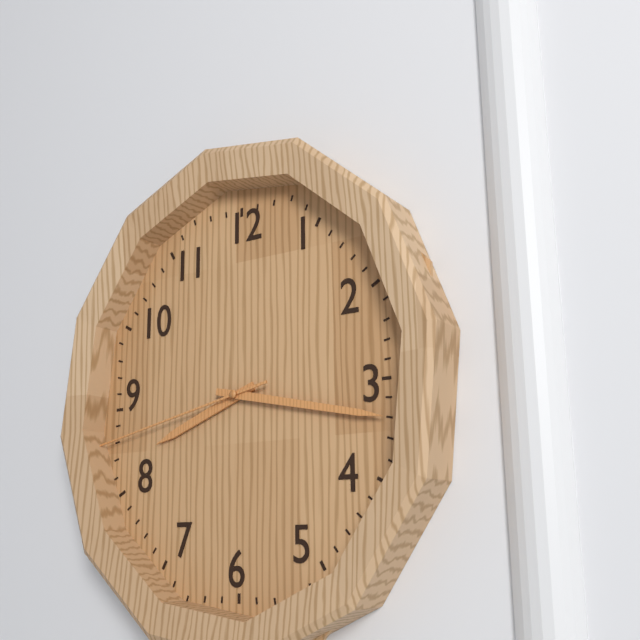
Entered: {"hour": 8, "minute": 17, "second": 43}
